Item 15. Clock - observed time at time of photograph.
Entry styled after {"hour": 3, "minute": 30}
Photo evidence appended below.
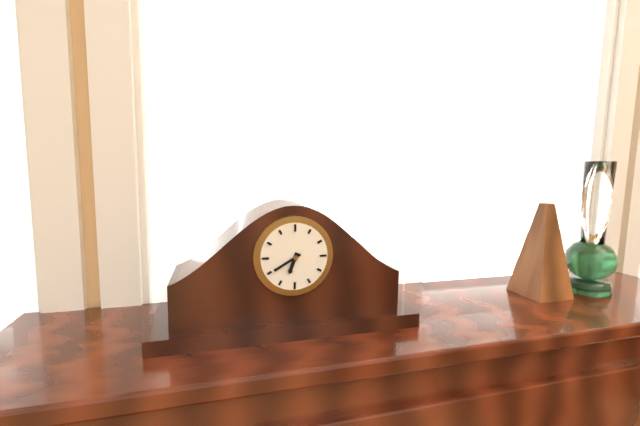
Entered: {"hour": 6, "minute": 40}
